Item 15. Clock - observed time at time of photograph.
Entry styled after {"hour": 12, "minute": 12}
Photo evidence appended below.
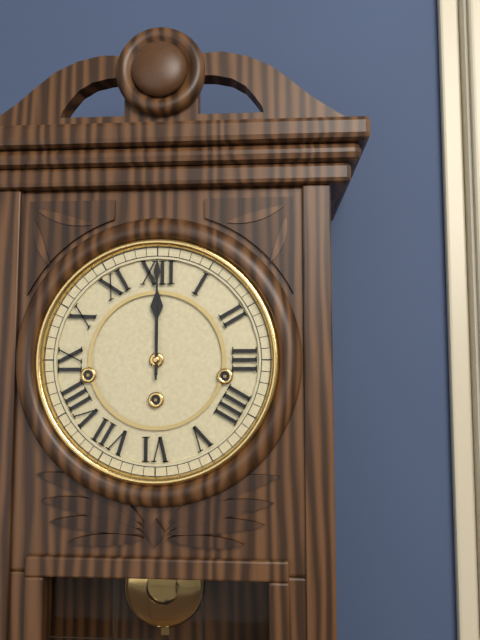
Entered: {"hour": 12, "minute": 0}
